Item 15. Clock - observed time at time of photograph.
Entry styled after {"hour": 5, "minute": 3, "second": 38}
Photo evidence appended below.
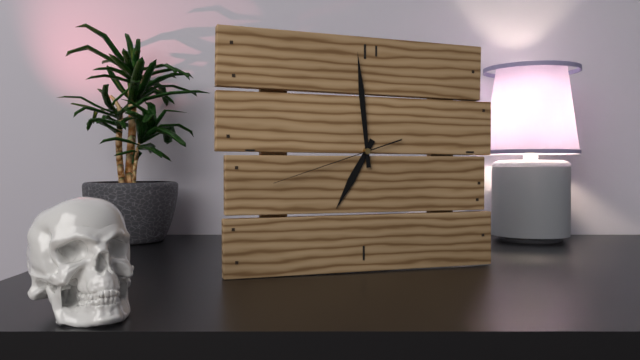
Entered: {"hour": 6, "minute": 59, "second": 42}
